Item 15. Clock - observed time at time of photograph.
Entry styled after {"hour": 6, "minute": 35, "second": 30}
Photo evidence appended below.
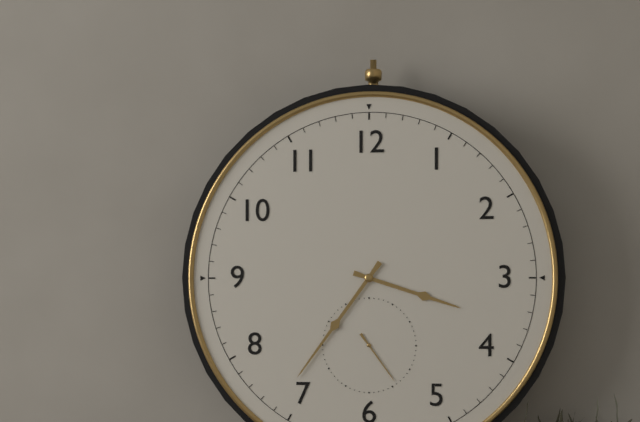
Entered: {"hour": 3, "minute": 36, "second": 24}
